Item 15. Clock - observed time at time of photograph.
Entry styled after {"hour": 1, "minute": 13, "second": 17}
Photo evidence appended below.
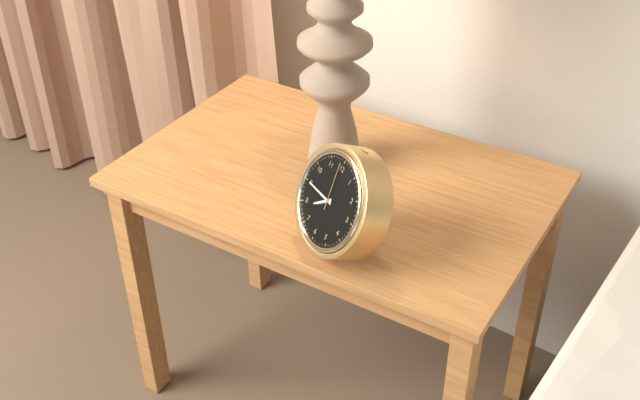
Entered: {"hour": 7, "minute": 45, "second": 59}
